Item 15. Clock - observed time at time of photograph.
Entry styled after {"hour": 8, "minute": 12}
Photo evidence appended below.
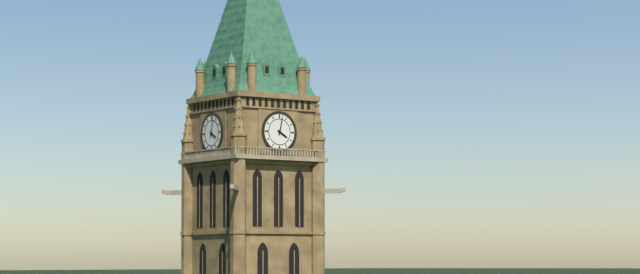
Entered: {"hour": 4, "minute": 2}
